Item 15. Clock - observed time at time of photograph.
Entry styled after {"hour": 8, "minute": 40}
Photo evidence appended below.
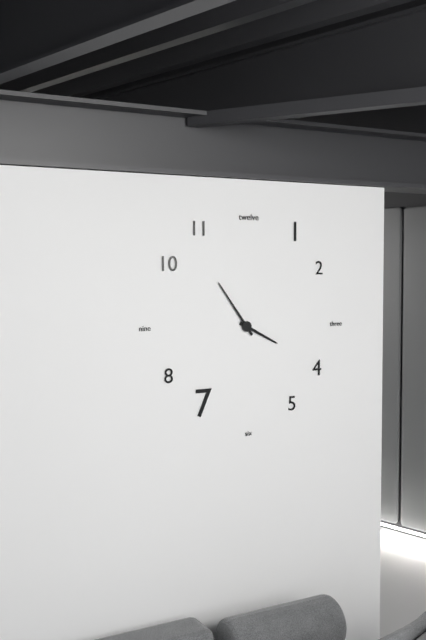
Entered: {"hour": 3, "minute": 54}
